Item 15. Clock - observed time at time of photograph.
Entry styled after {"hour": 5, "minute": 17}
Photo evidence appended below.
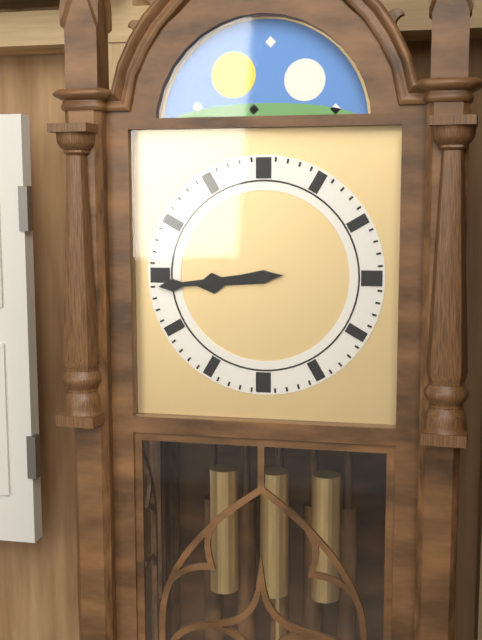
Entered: {"hour": 8, "minute": 44}
